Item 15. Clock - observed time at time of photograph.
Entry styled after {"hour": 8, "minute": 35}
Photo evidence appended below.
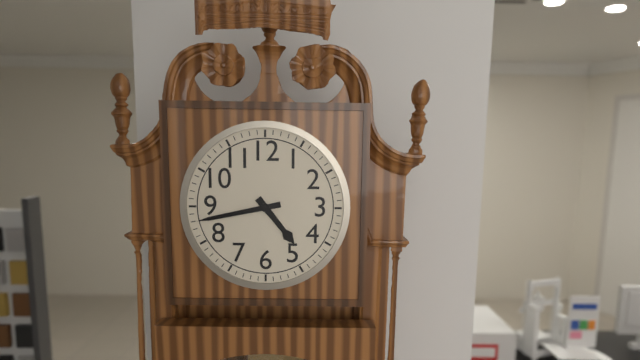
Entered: {"hour": 4, "minute": 43}
